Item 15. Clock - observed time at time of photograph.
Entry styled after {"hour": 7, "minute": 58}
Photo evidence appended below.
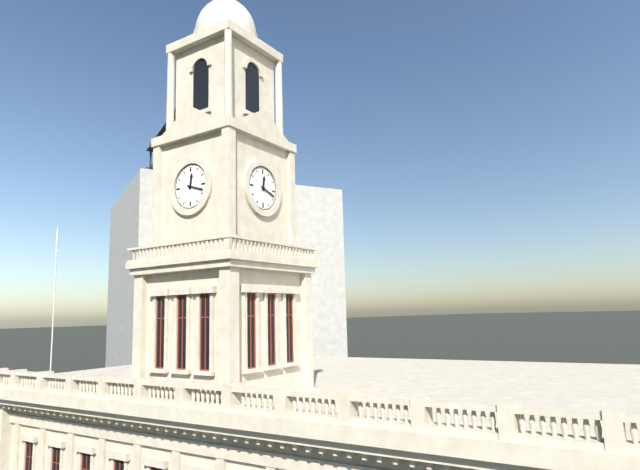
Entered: {"hour": 12, "minute": 18}
